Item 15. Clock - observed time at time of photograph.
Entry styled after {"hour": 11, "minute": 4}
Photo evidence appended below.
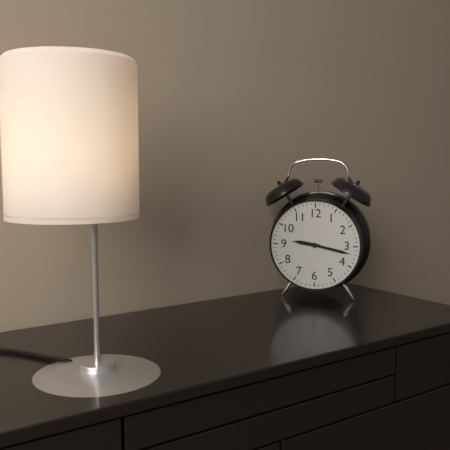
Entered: {"hour": 9, "minute": 17}
